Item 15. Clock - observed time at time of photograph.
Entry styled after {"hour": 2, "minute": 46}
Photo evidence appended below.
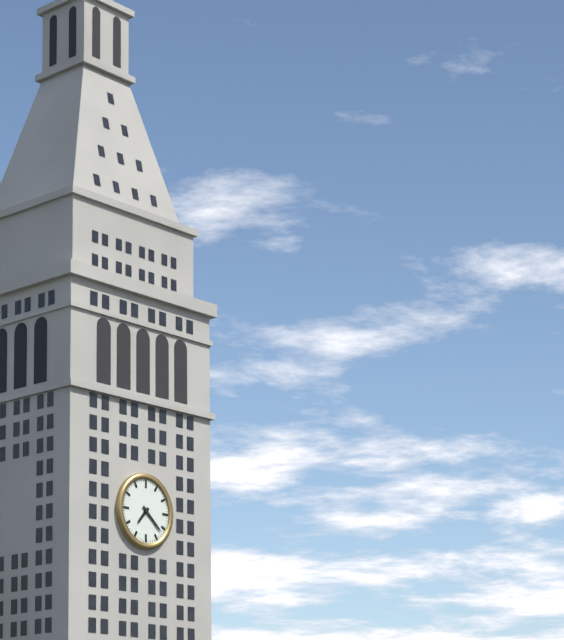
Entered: {"hour": 7, "minute": 22}
